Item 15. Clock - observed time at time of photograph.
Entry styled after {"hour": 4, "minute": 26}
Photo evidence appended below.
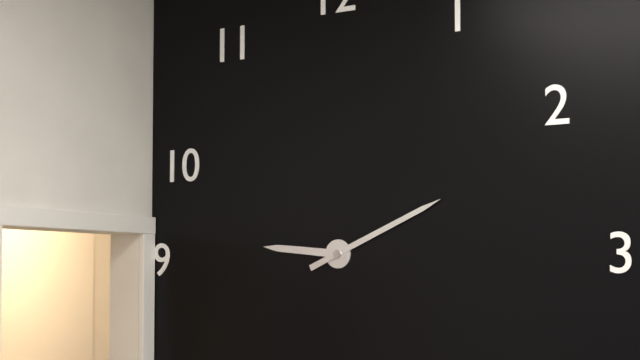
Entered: {"hour": 9, "minute": 11}
